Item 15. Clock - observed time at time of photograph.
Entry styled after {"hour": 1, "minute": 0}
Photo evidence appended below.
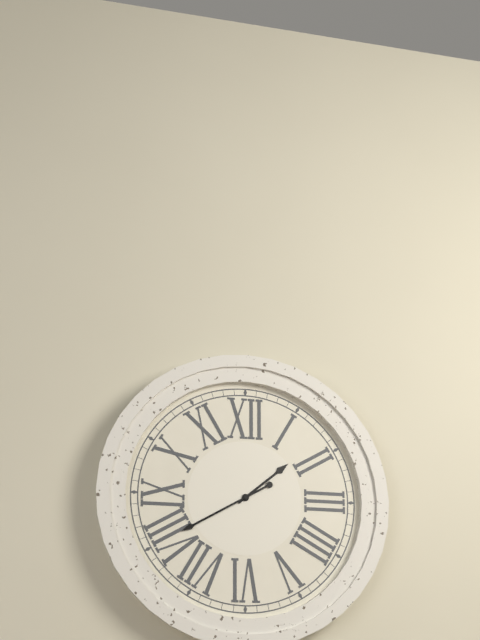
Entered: {"hour": 1, "minute": 40}
